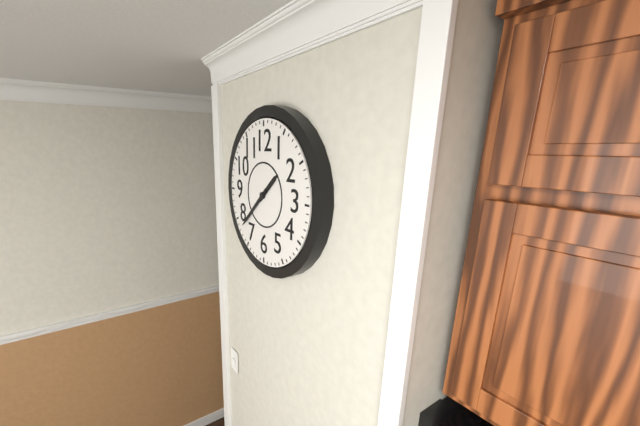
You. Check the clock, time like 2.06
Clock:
1.38
